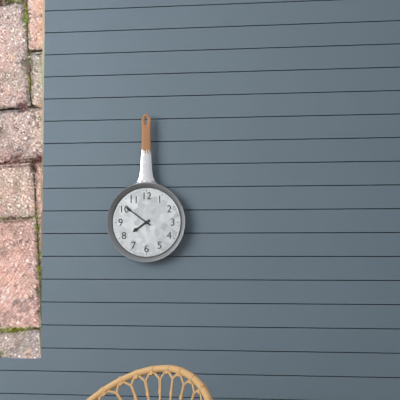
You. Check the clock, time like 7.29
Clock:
7.51
